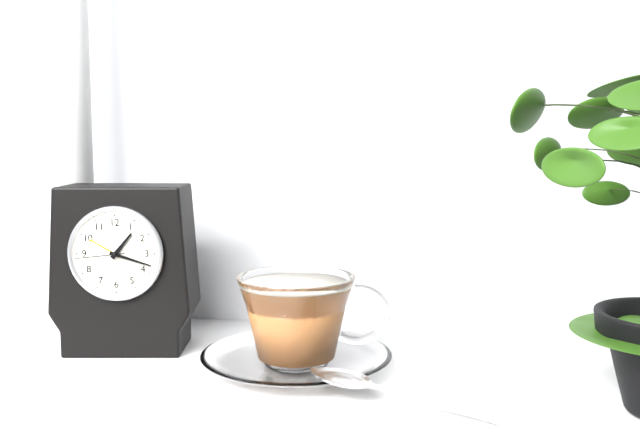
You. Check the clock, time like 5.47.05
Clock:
1.18.44
